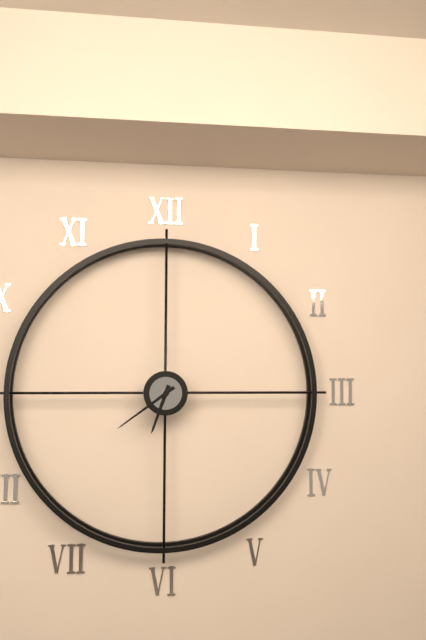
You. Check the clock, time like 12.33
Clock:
6.39
